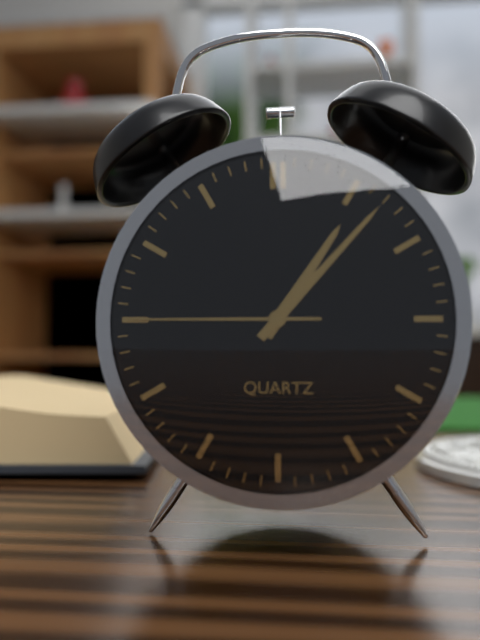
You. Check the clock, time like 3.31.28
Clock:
1.07.45
